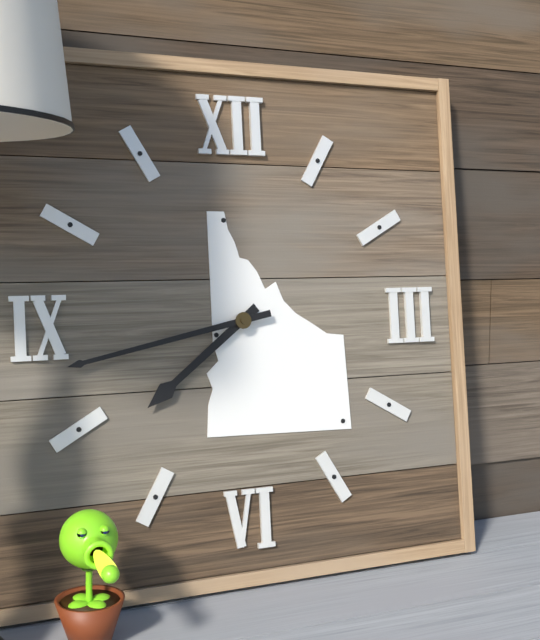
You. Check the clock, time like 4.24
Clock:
7.43
